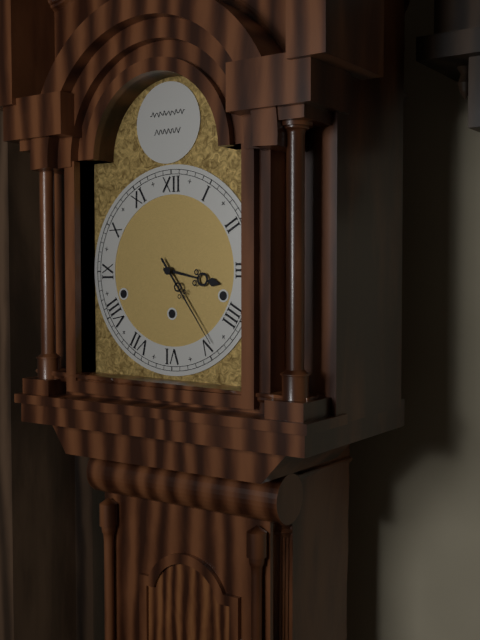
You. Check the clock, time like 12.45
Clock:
3.24
